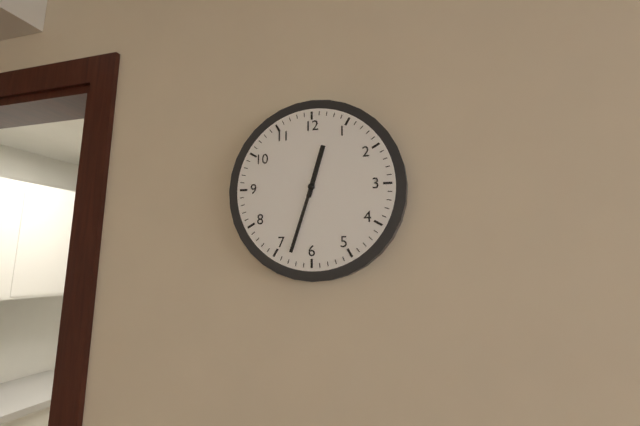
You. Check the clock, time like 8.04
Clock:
12.33
